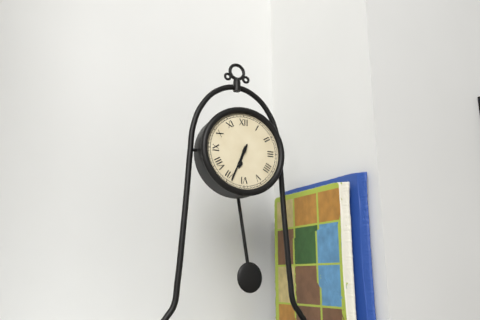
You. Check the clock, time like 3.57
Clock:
6.34
